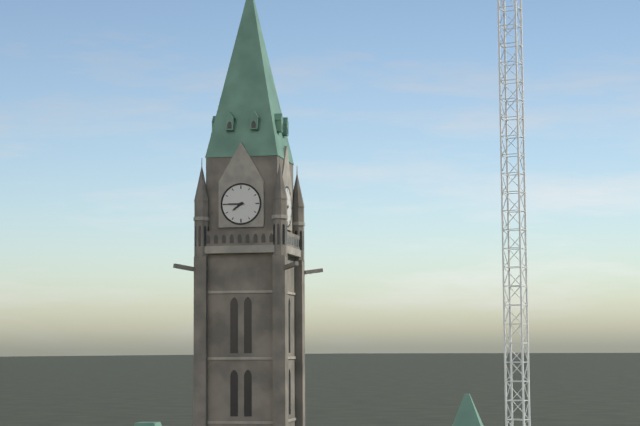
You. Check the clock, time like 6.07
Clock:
7.45
